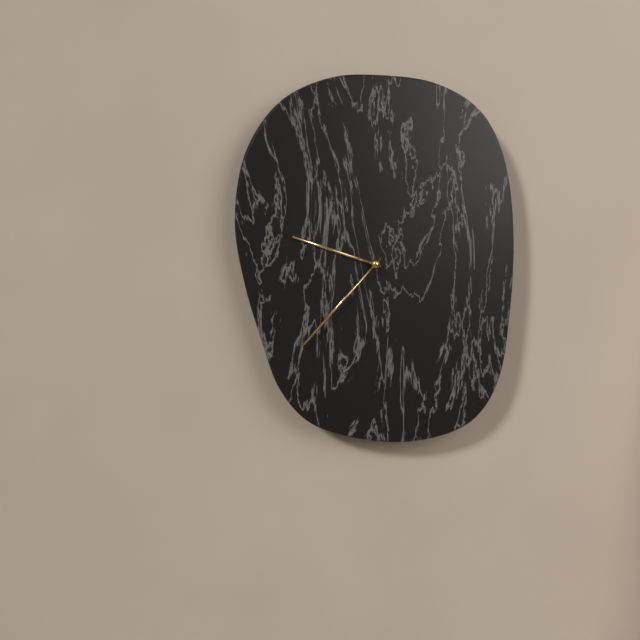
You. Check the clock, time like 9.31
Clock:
9.37
